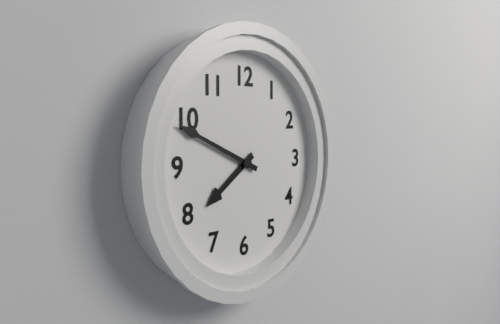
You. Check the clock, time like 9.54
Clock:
7.49
